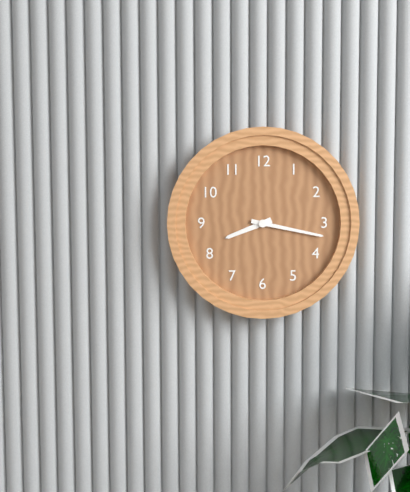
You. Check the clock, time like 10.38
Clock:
8.17
